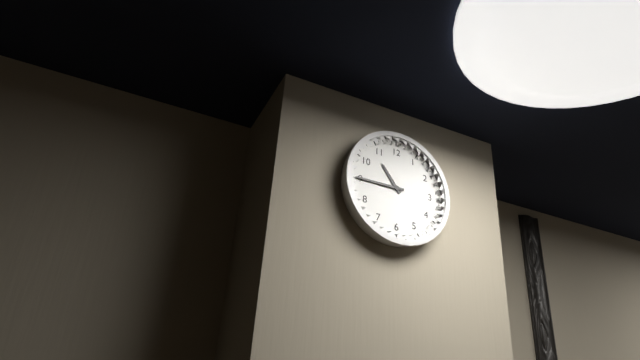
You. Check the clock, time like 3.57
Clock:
10.45
